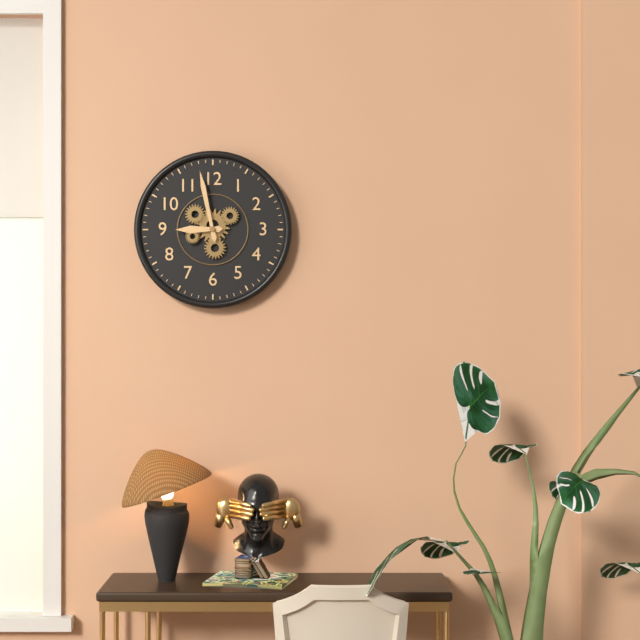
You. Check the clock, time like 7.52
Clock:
8.58
